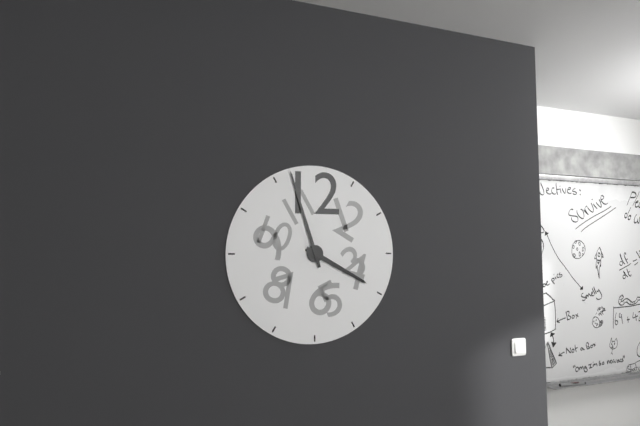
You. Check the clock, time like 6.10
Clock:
3.57
